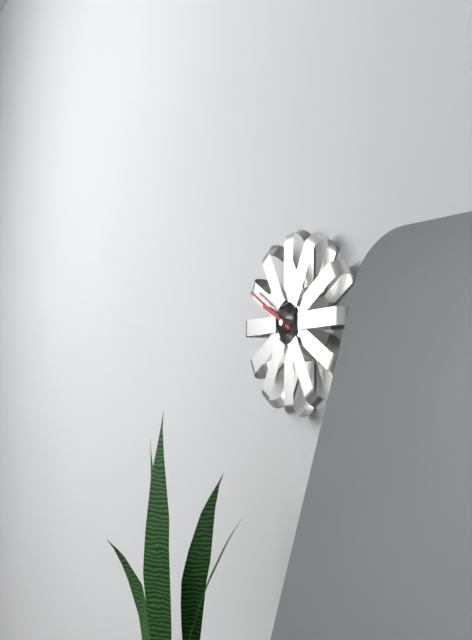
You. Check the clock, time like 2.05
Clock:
9.50
